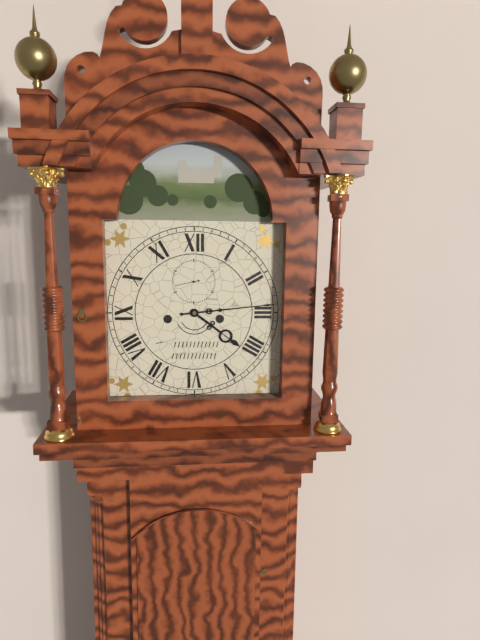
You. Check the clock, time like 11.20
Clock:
4.14
